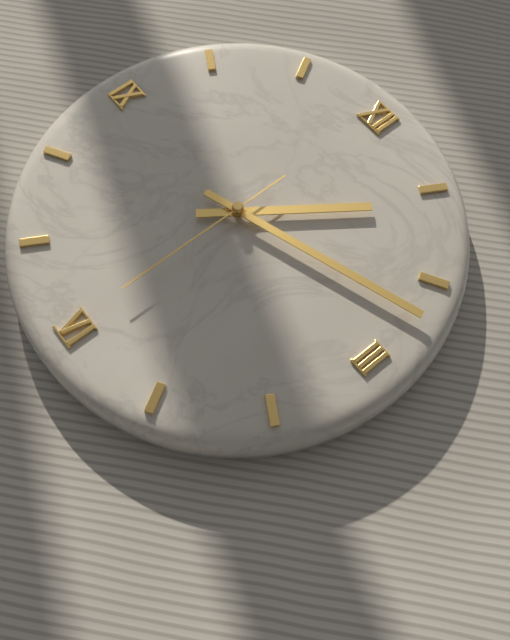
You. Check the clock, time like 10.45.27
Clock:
1.12.30
